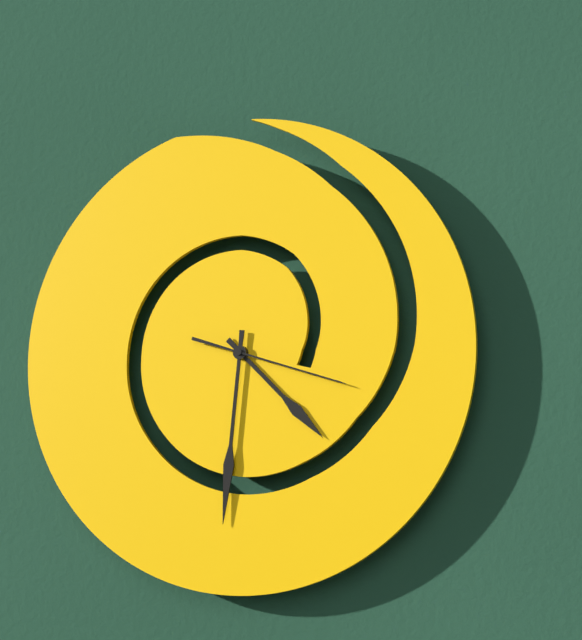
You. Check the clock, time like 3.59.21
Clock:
4.31.18
